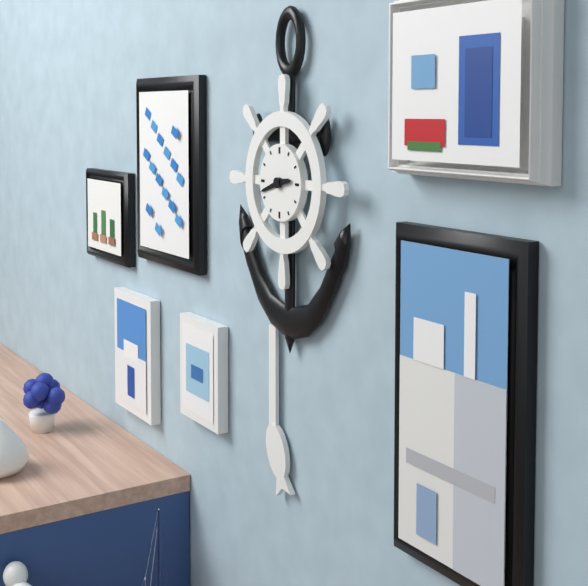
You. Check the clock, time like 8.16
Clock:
2.42
